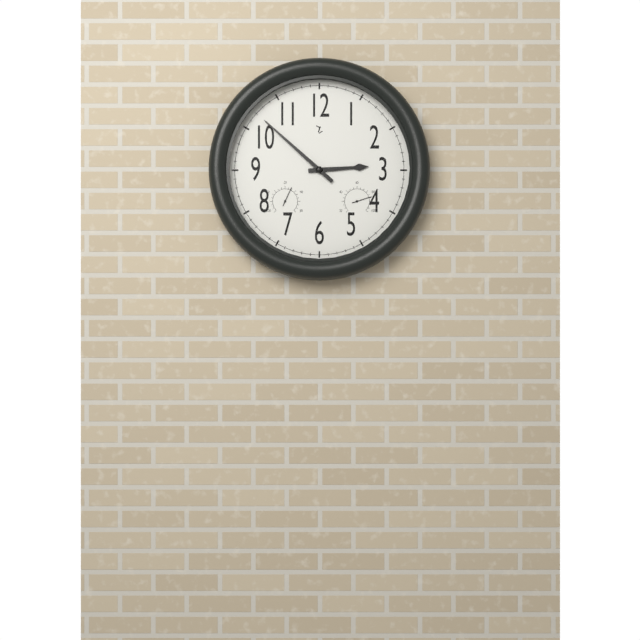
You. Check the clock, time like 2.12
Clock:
2.52
